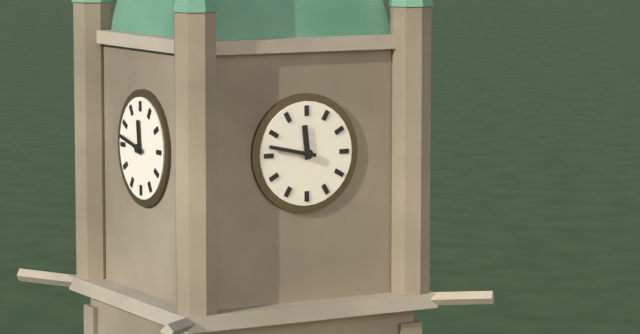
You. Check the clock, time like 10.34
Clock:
11.47
